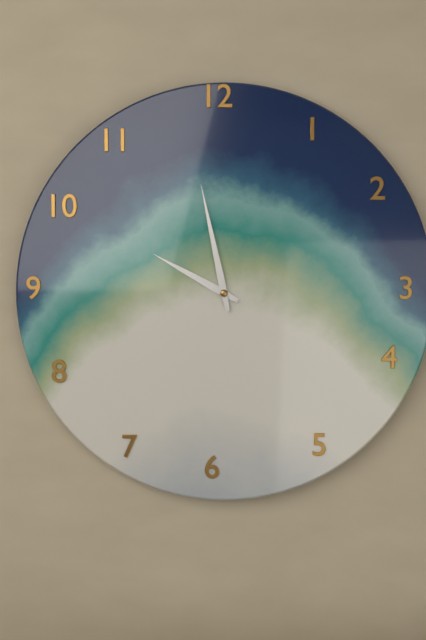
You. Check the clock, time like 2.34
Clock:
9.58
